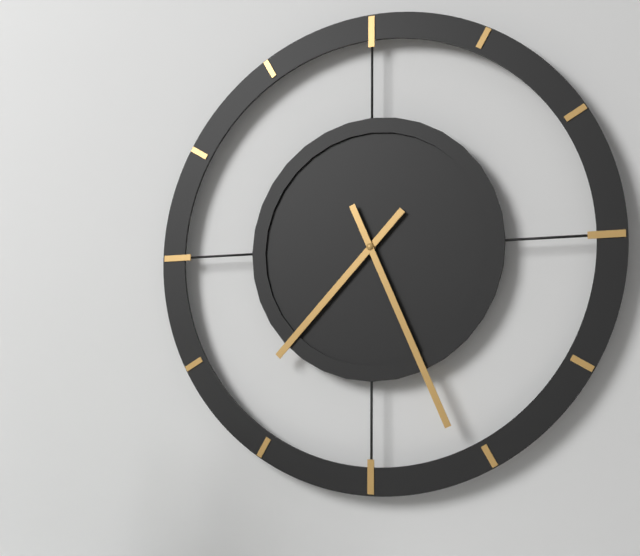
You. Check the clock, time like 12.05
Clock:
7.26
